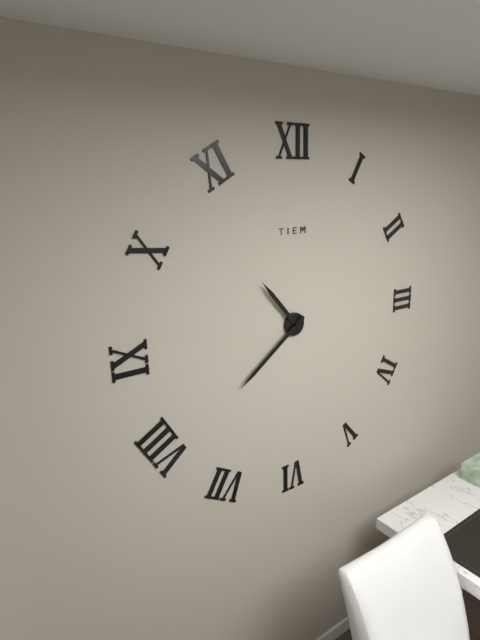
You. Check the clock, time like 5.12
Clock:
10.39
